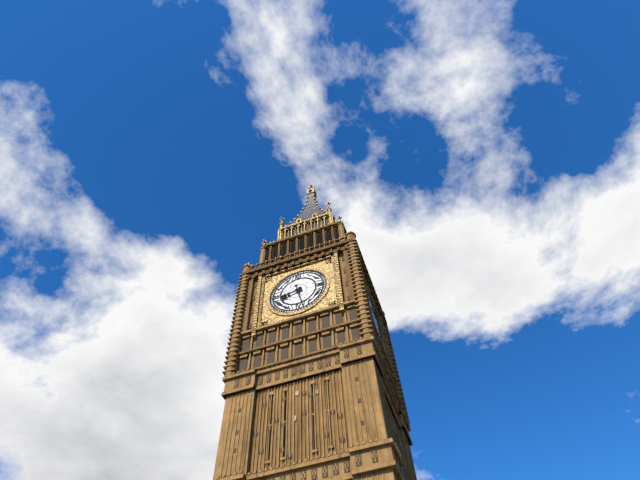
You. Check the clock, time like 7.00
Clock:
8.28
